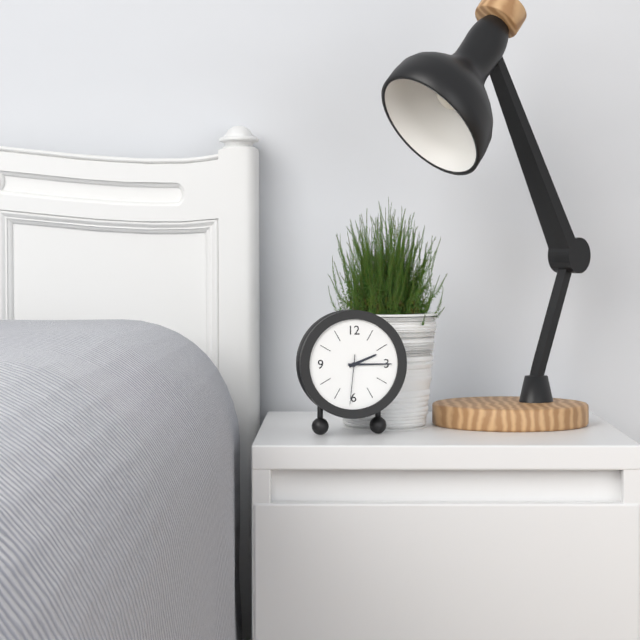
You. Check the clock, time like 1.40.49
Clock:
2.15.31
